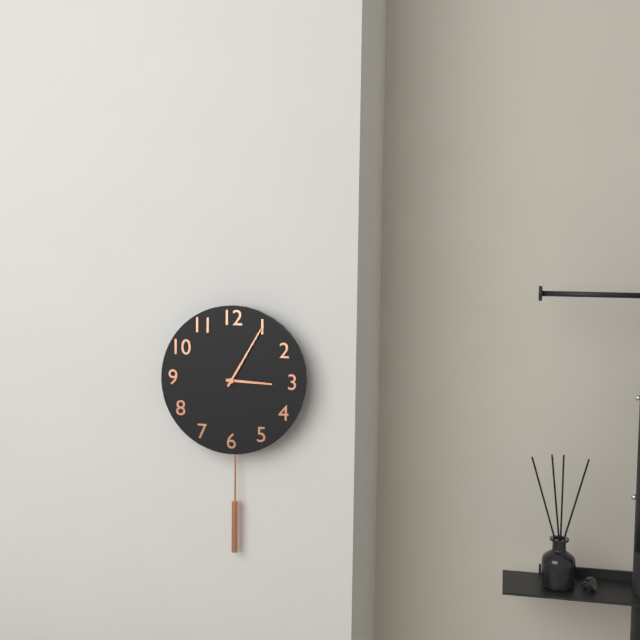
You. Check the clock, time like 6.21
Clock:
3.05
